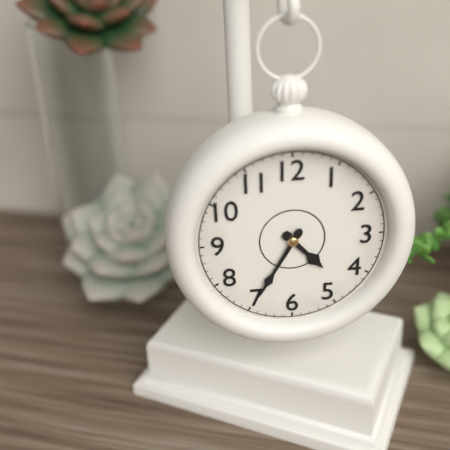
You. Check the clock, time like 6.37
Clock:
4.35
